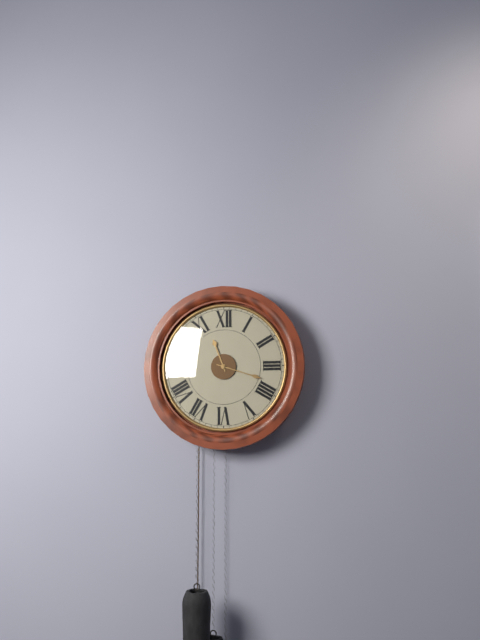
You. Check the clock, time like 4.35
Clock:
11.18
